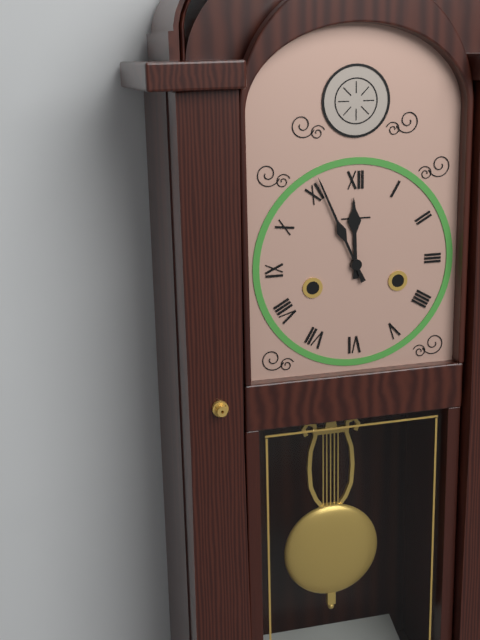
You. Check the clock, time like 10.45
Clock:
11.56
